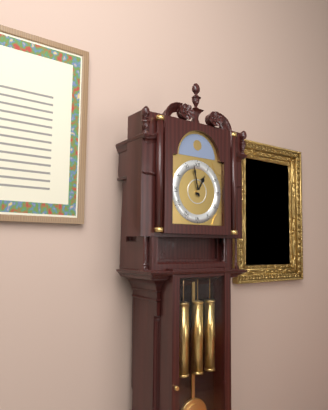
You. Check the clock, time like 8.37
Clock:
12.58
